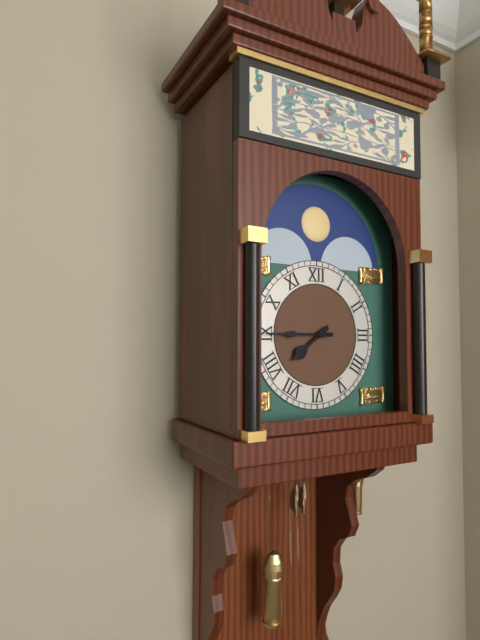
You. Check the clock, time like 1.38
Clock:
7.45
